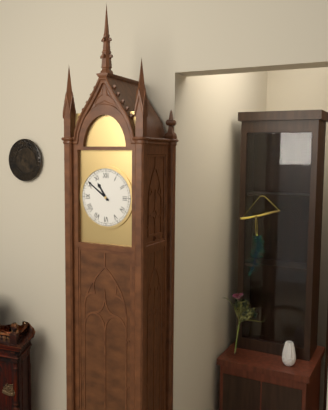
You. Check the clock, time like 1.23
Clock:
10.51
